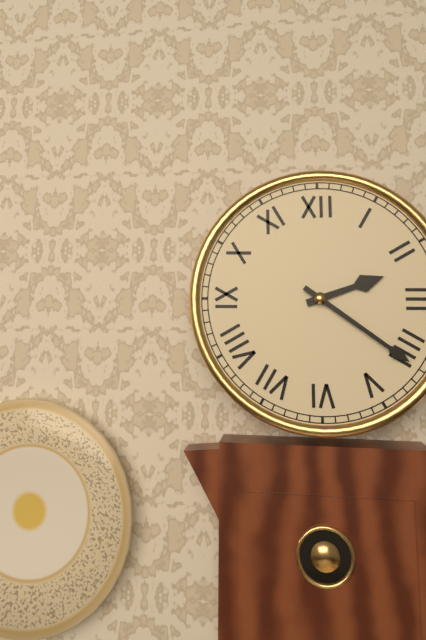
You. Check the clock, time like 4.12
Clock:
2.21
